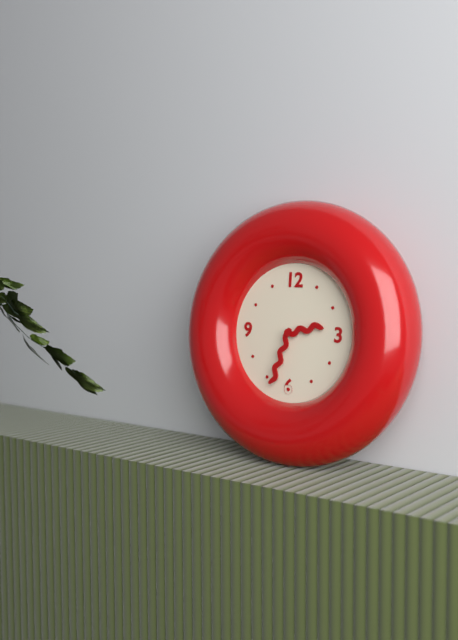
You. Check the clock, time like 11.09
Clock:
2.33
